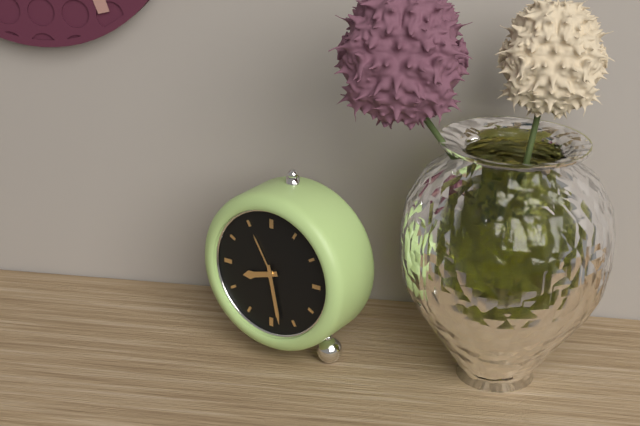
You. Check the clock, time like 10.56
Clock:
8.28
